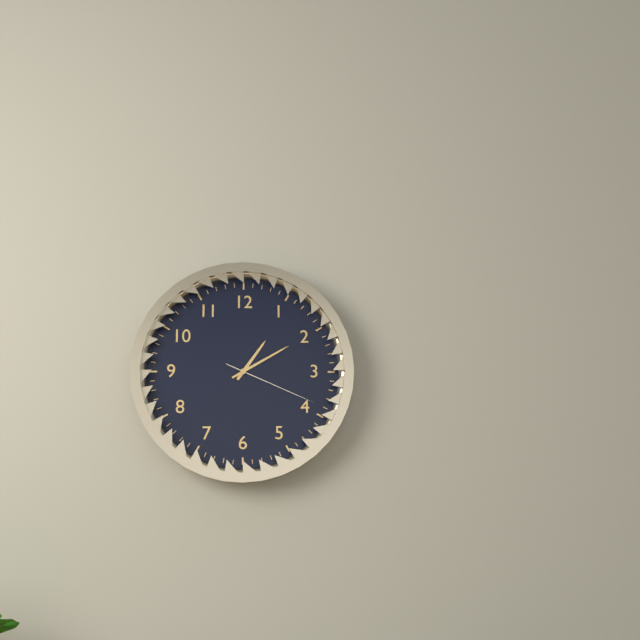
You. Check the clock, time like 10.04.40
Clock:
1.10.19
